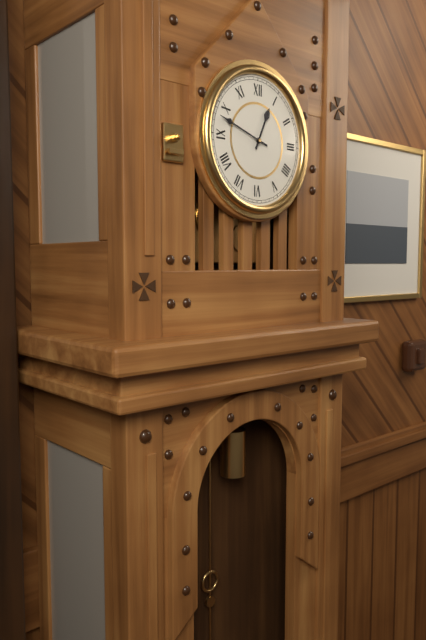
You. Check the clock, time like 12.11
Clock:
12.48
